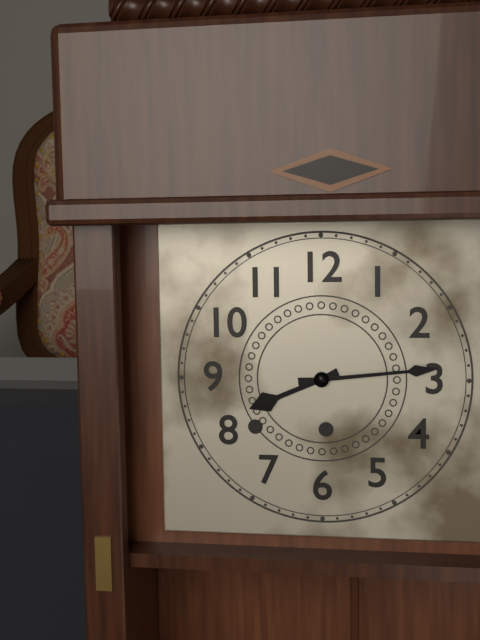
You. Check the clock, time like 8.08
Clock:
8.14
